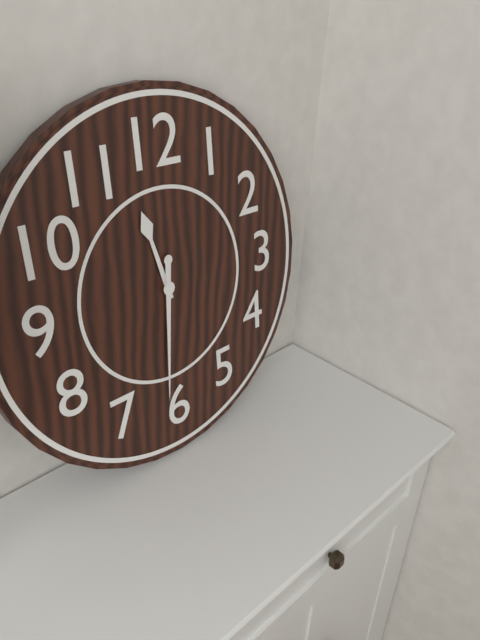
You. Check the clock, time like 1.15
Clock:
11.31
